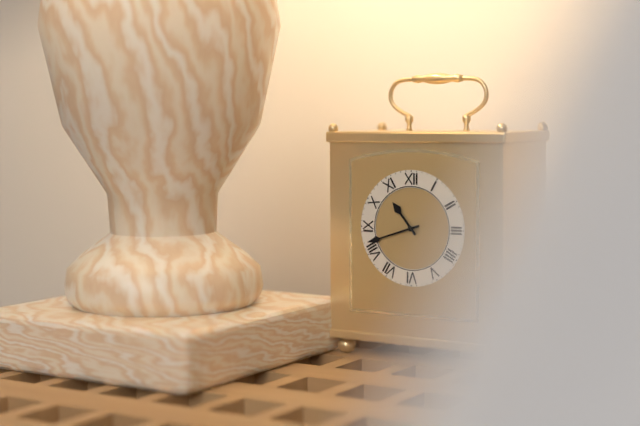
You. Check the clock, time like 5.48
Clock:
10.42
